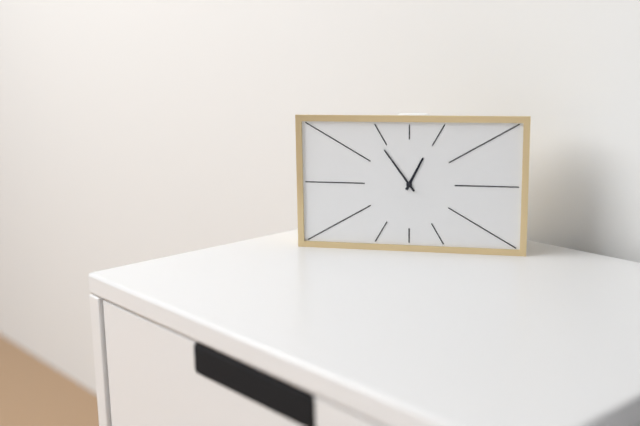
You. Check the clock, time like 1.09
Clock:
12.54
